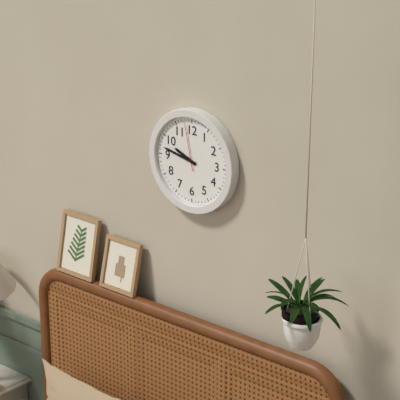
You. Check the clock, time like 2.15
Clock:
9.47
